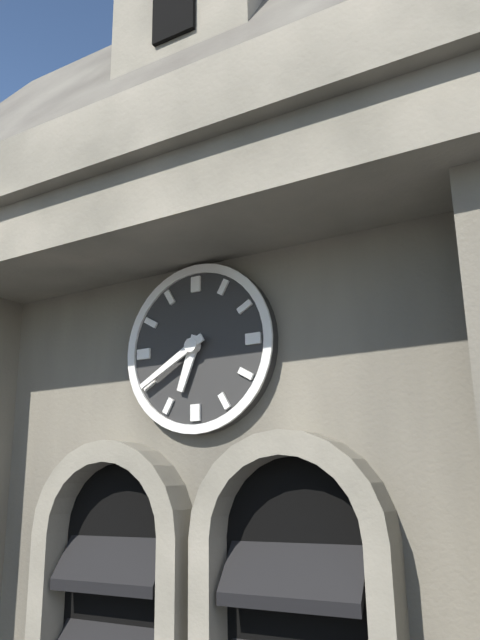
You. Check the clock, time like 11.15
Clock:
6.40
